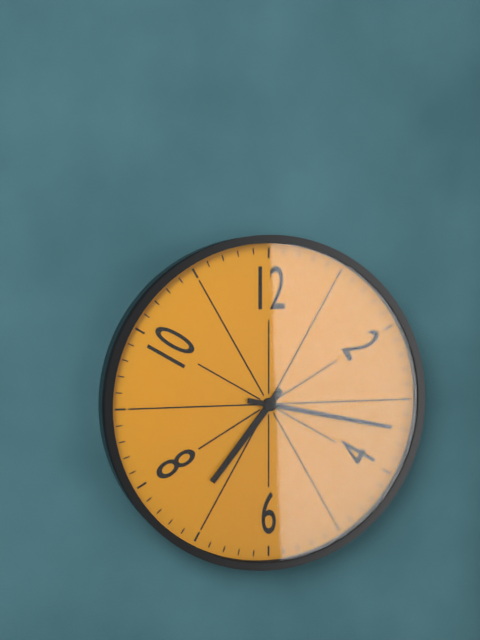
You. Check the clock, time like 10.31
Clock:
7.17
